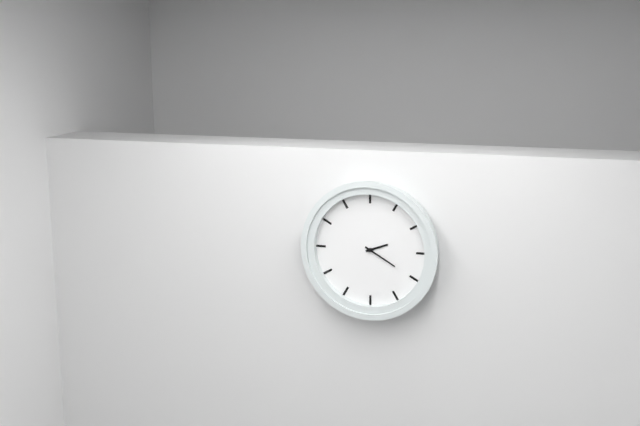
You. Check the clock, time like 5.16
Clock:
2.20
